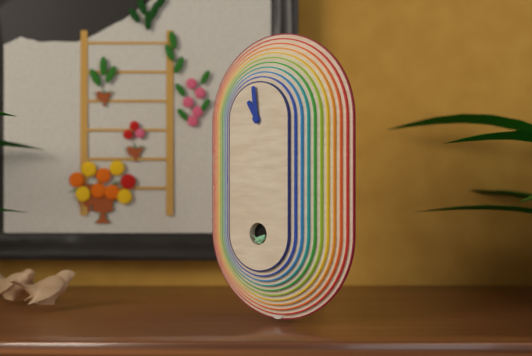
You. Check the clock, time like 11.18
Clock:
10.59
